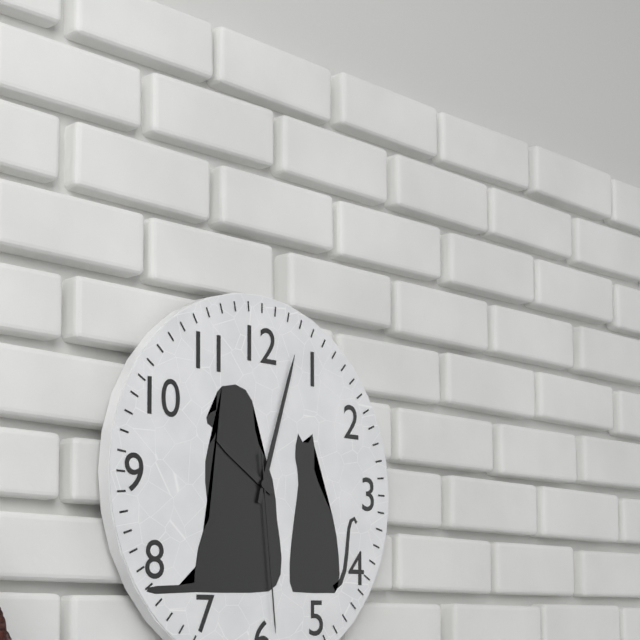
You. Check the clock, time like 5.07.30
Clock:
10.03.29
